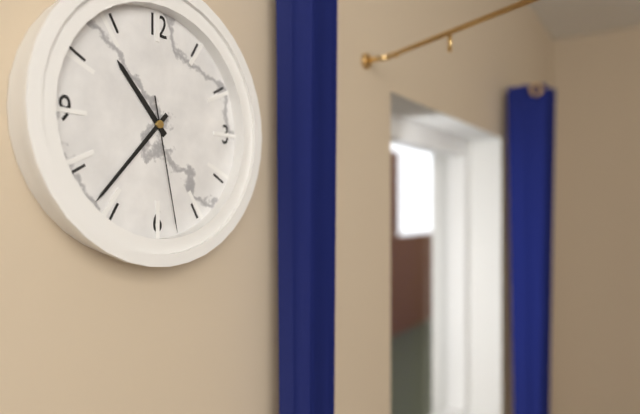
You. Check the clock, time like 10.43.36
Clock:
10.37.28
